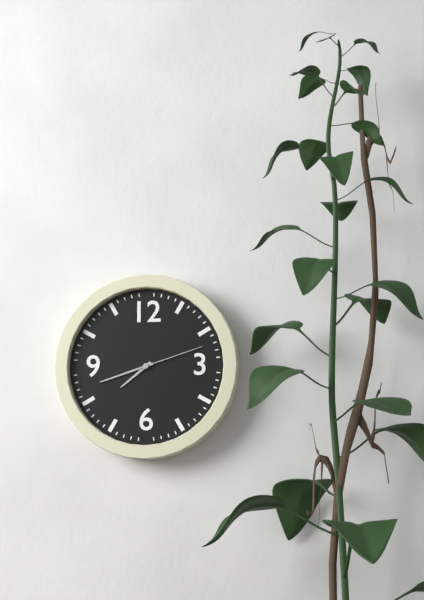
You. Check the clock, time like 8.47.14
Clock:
7.42.12
